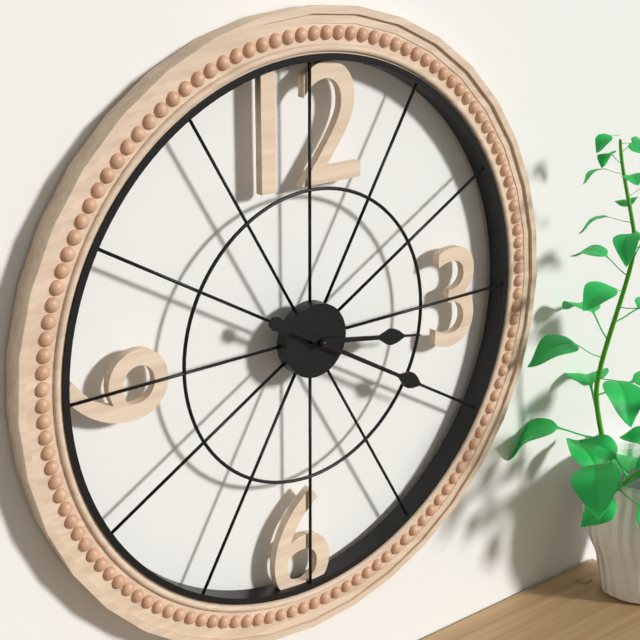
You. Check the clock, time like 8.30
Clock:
3.20
